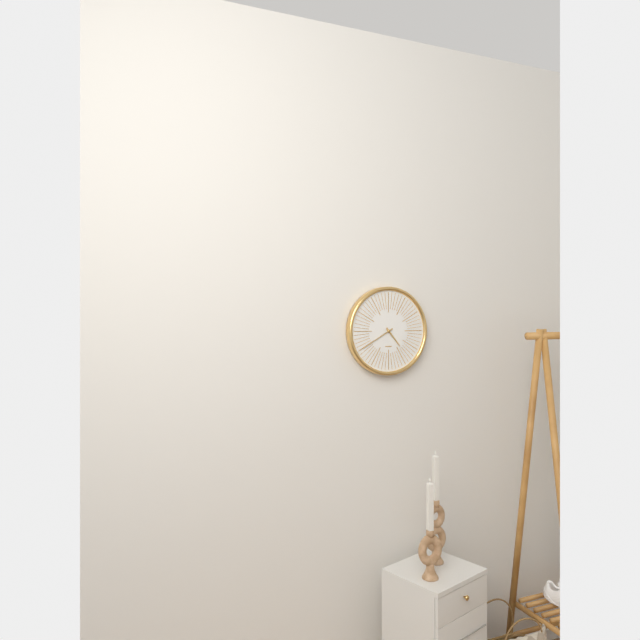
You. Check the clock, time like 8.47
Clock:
4.40
